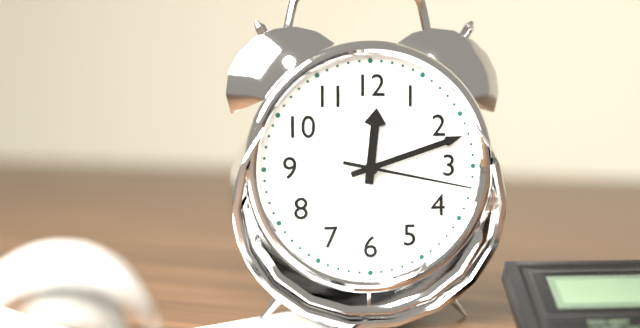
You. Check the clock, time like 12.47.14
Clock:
12.12.17
